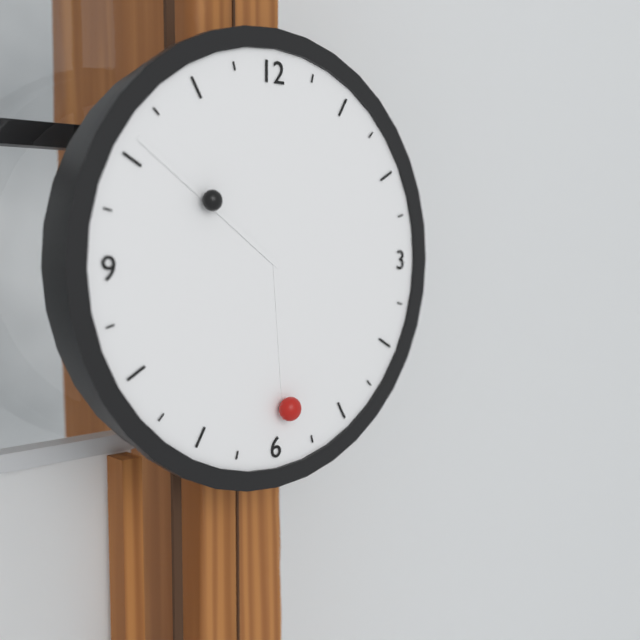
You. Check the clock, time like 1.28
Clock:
5.51
